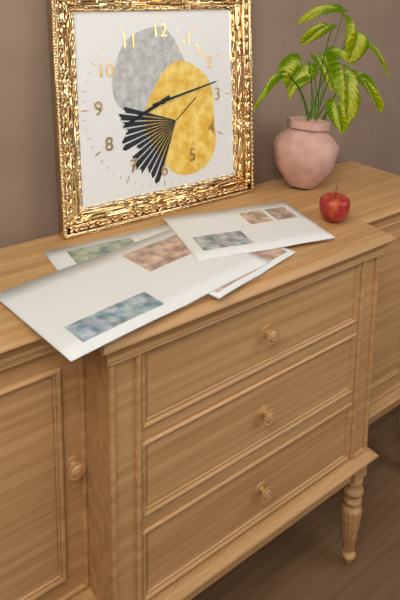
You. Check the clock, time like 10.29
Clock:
8.13
